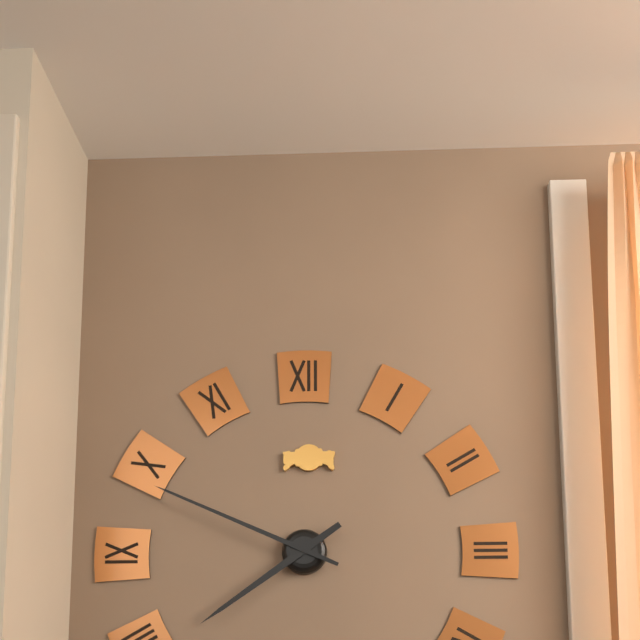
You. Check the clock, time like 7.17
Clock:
7.49
